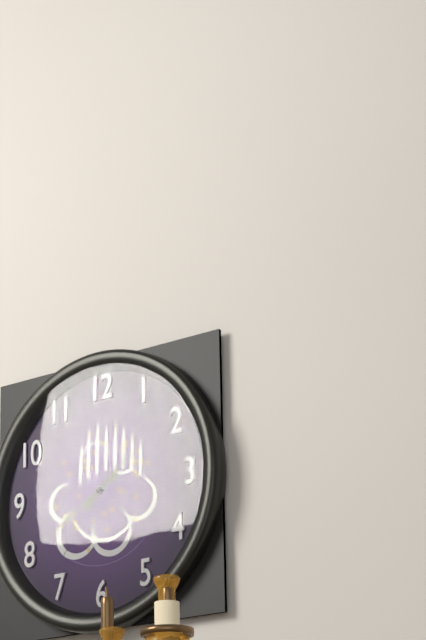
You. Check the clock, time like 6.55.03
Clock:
1.40.36
